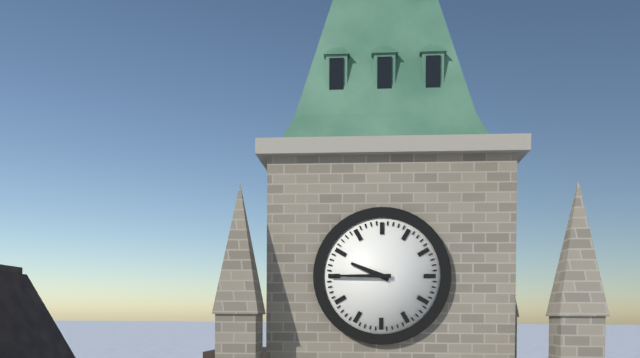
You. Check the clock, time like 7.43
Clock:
9.45
